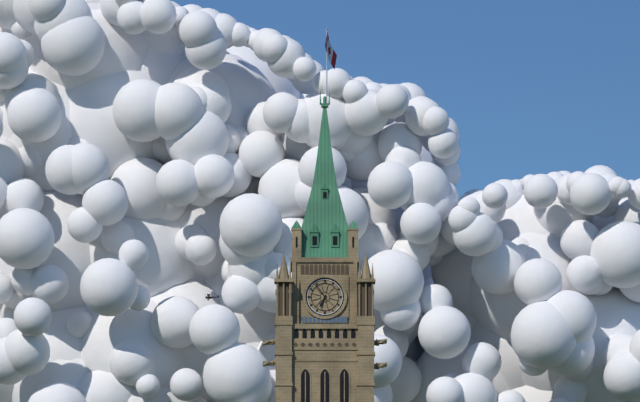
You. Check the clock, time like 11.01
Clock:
6.54
